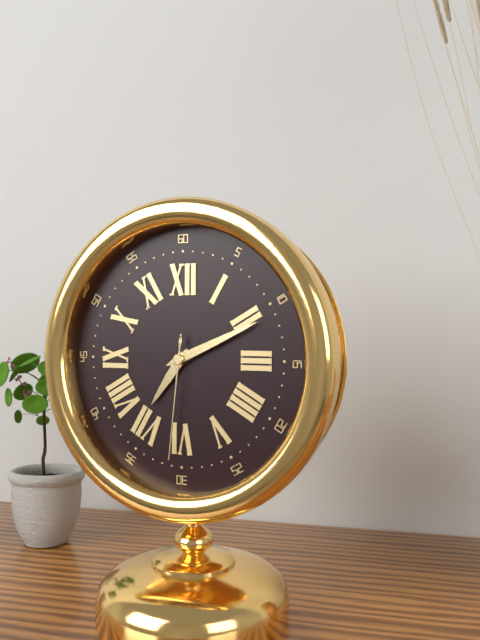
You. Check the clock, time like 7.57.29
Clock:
7.11.31
